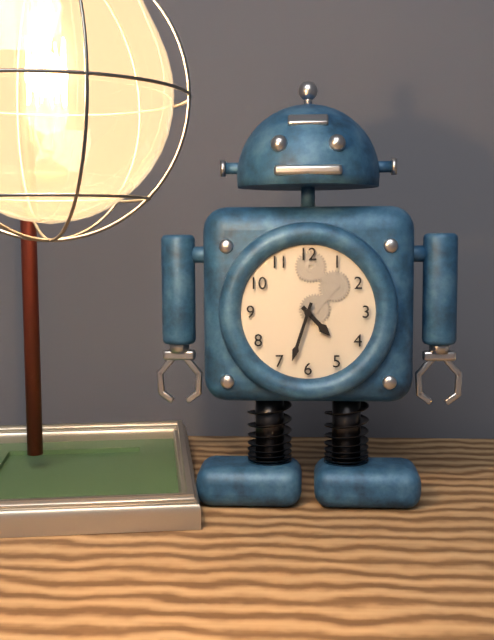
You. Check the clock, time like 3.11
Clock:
4.33
